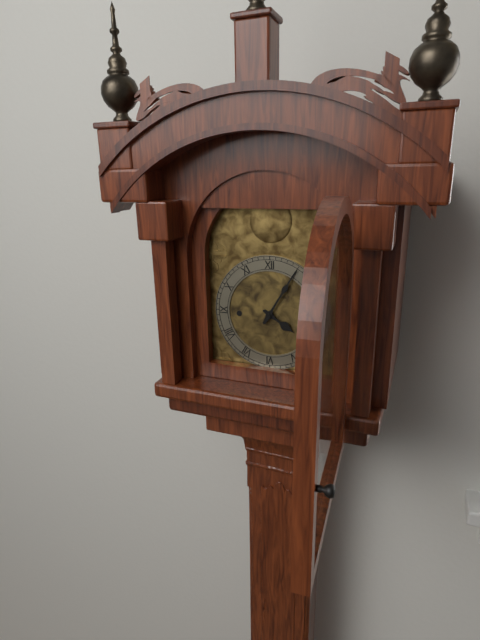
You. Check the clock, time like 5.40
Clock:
4.05
